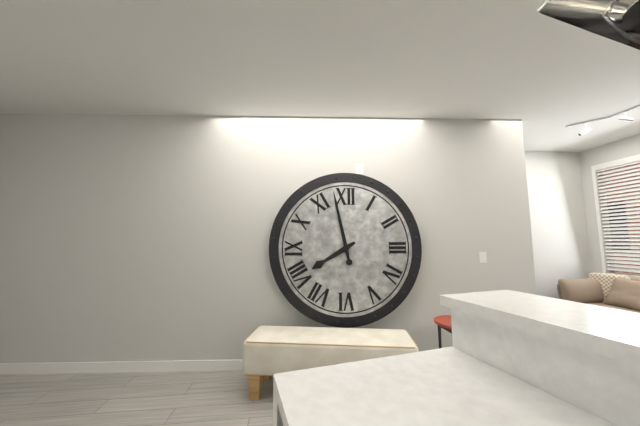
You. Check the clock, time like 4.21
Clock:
7.58
